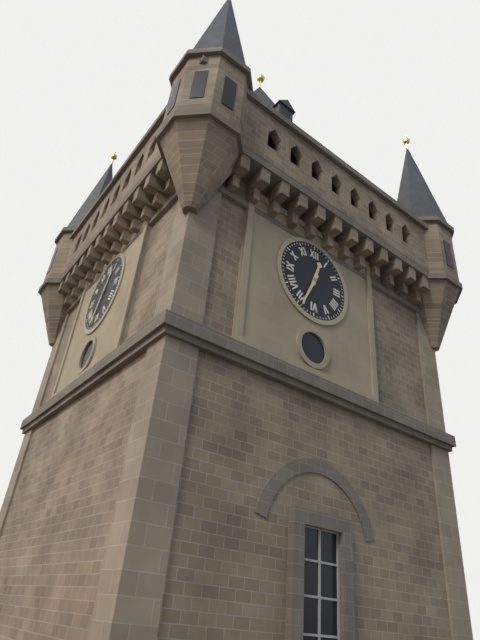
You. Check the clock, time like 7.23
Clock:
12.34
